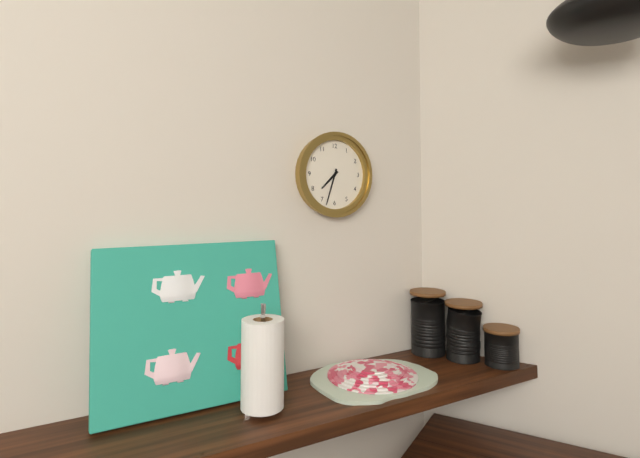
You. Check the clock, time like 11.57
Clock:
7.33
